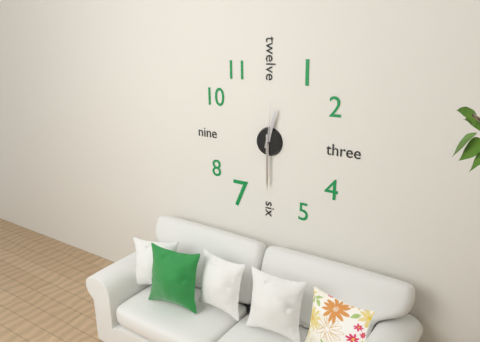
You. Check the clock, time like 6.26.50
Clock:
12.30.01
